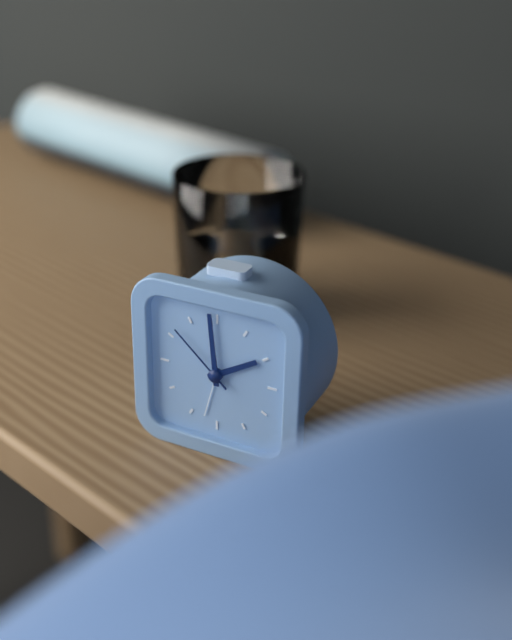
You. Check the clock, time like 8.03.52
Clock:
1.59.52
